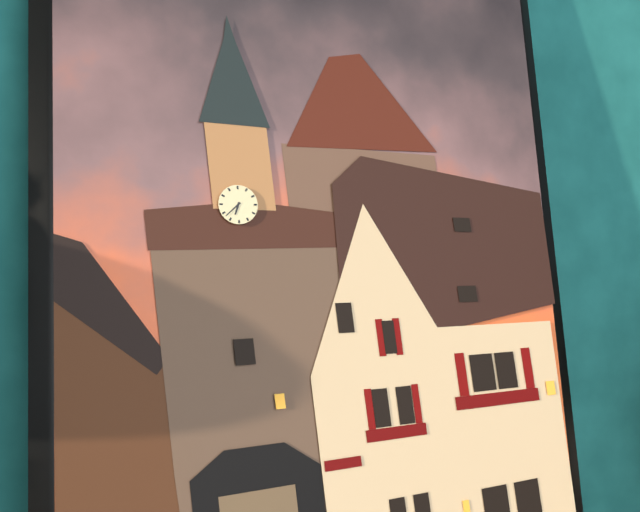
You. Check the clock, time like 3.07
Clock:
6.38
